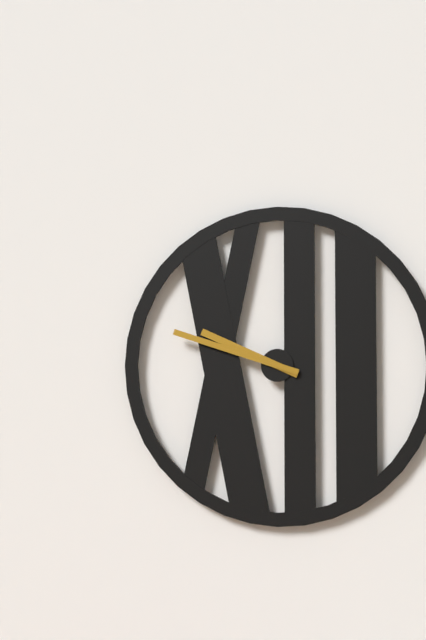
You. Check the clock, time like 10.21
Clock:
9.48
